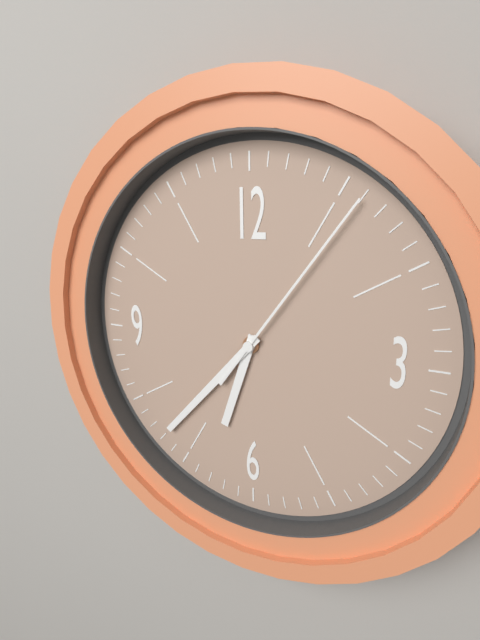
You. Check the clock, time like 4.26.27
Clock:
6.37.06
